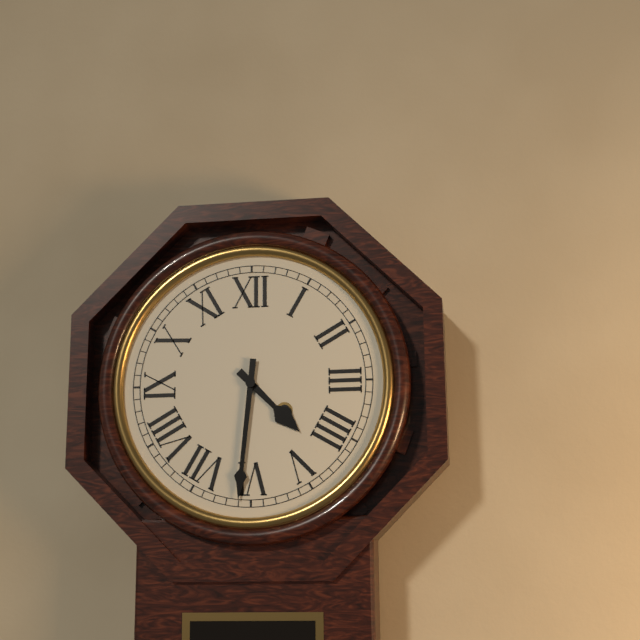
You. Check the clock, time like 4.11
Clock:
4.31
